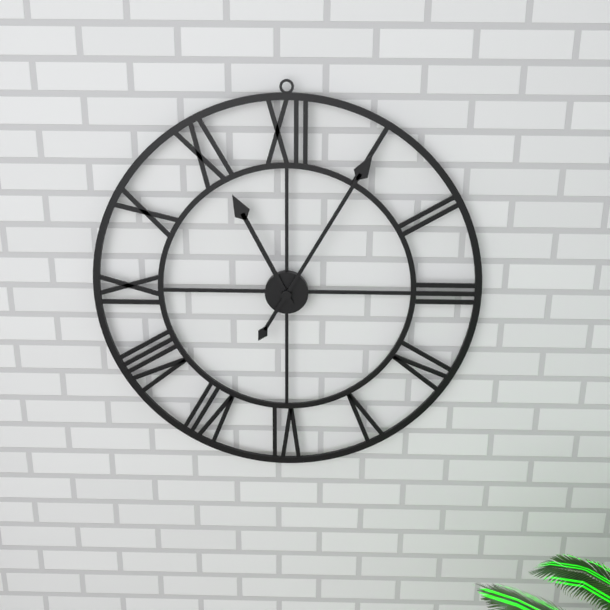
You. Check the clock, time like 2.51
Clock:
11.05
